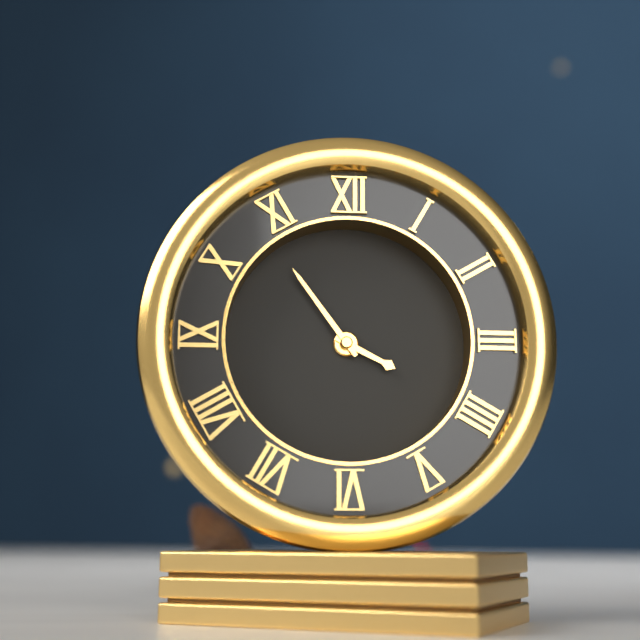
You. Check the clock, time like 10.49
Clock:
3.54
